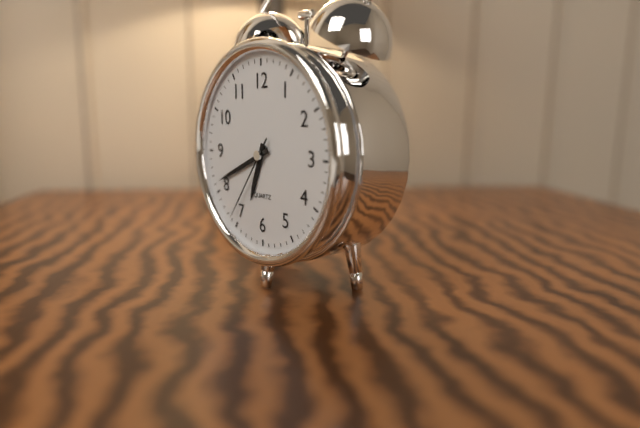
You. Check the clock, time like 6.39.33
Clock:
6.41.36
